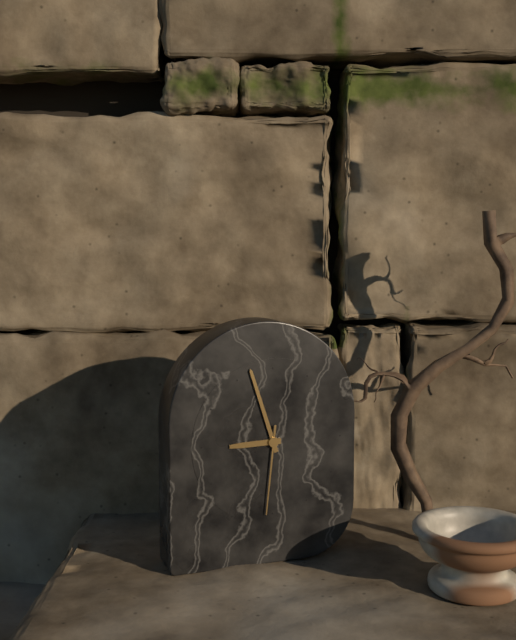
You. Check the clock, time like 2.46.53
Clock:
8.57.31
